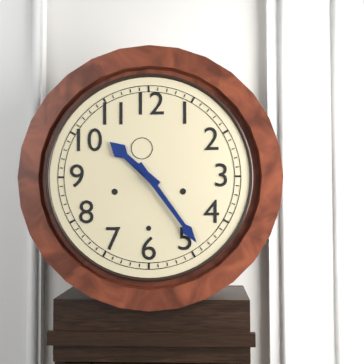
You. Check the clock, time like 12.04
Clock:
10.24
